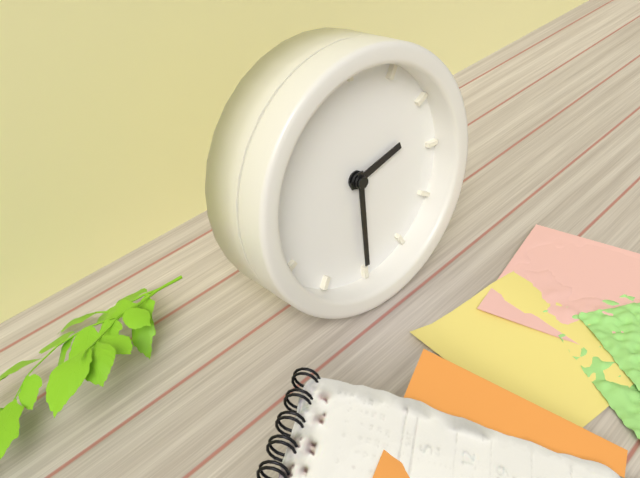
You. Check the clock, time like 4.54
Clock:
2.30
